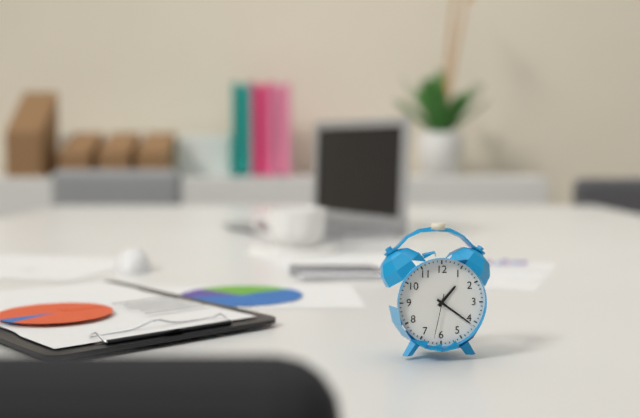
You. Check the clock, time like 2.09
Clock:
1.21
